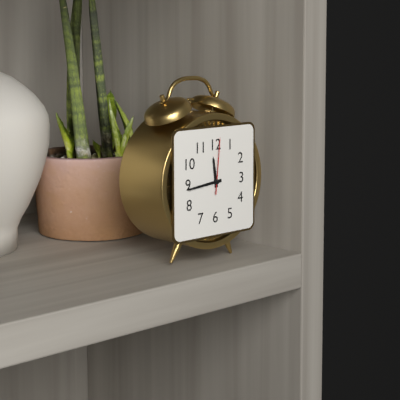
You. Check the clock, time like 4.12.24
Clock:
11.44.01
